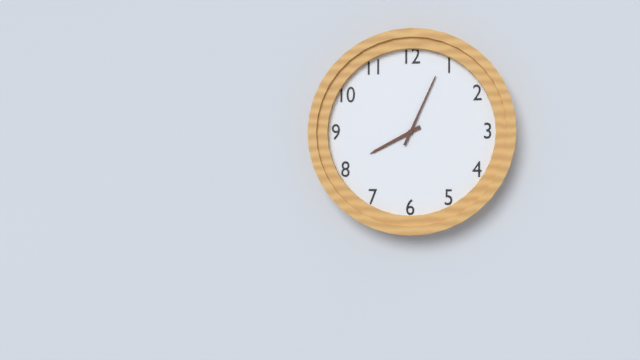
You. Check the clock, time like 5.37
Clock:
8.04
